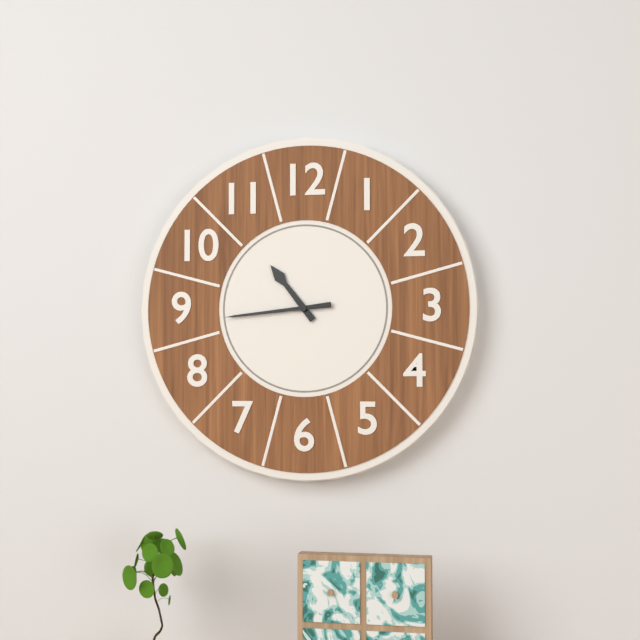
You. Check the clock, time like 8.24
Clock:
10.44
